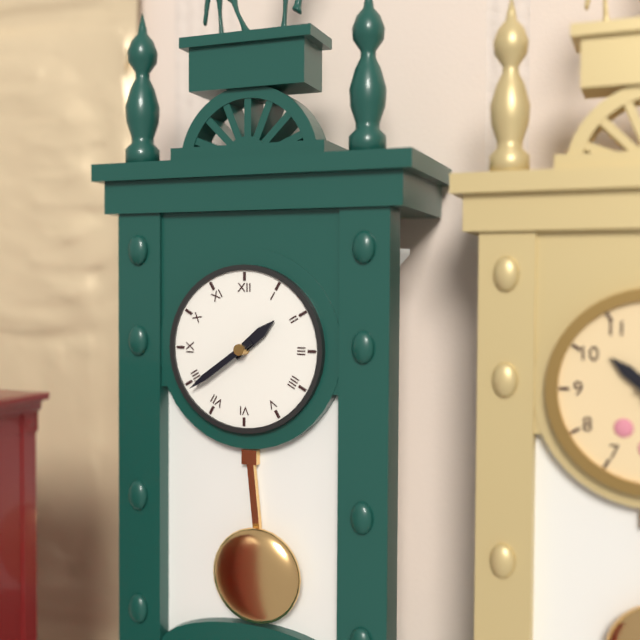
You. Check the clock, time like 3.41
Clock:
1.39
